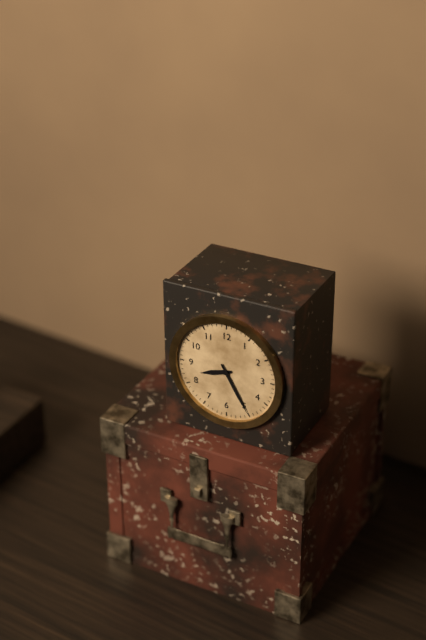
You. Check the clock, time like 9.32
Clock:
8.25
